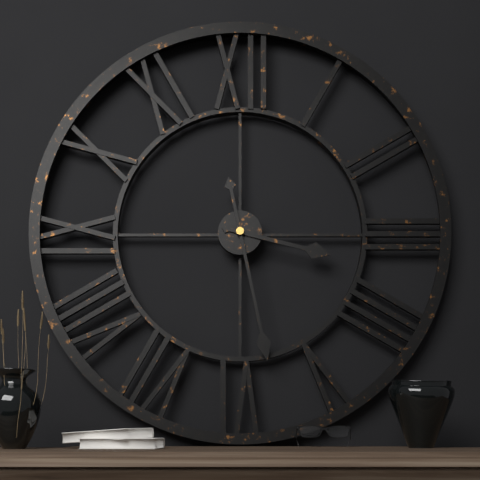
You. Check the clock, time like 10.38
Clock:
3.28
